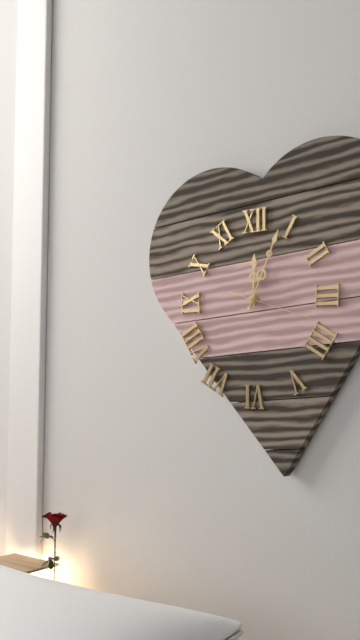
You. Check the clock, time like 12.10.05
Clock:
12.04.18
